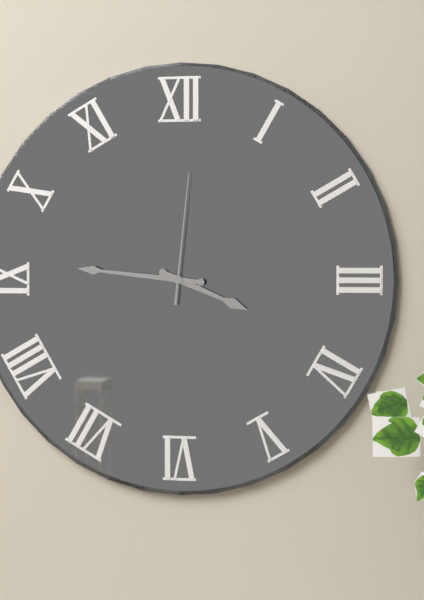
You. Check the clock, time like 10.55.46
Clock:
3.46.01
